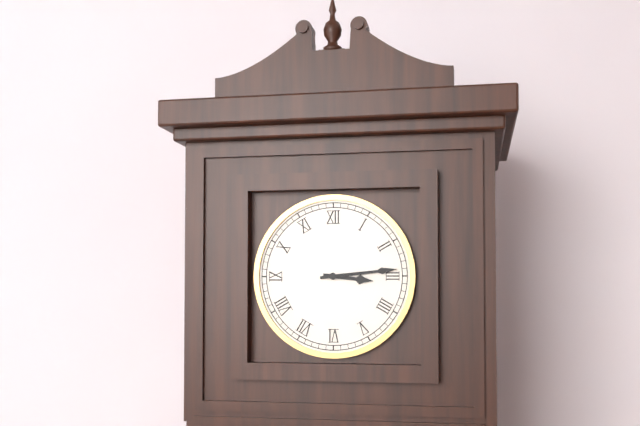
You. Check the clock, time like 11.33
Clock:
3.14
